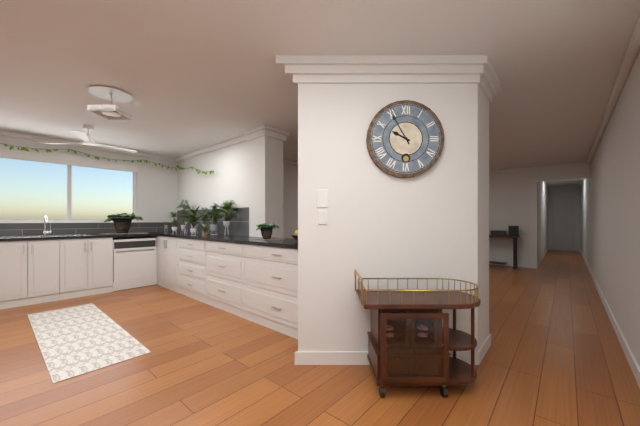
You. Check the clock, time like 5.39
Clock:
9.55
